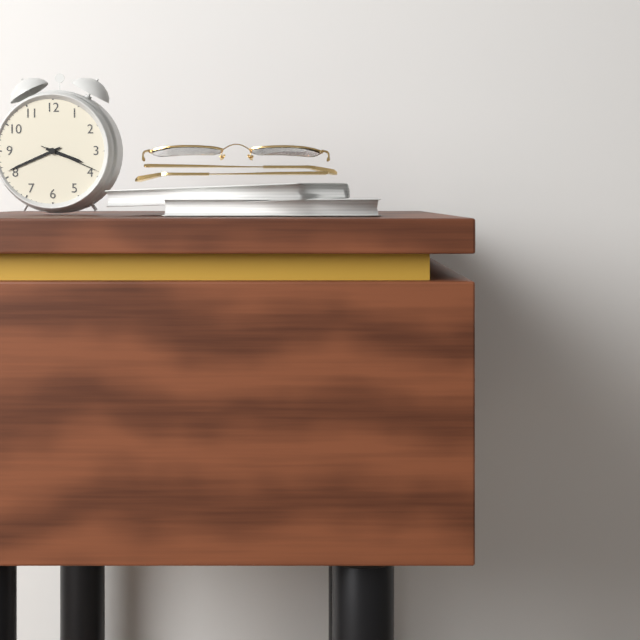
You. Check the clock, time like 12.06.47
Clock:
3.41.19
